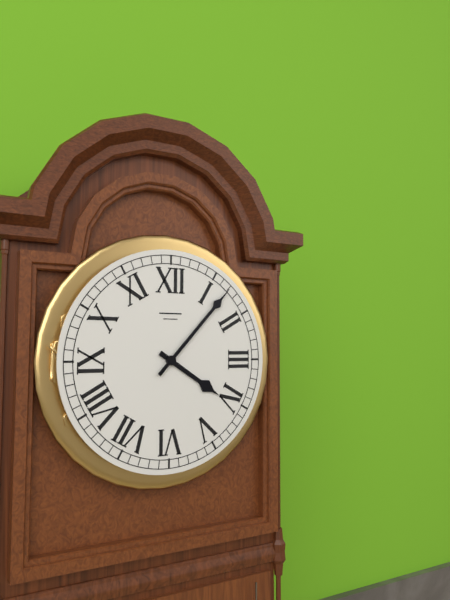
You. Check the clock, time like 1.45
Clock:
4.07
